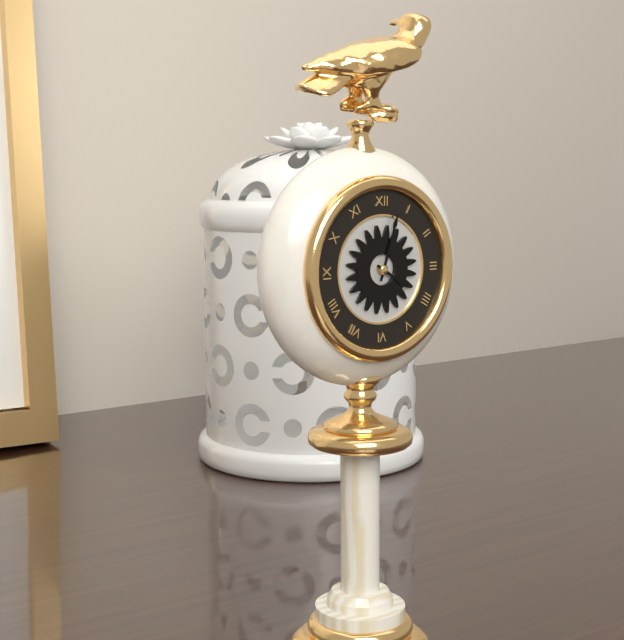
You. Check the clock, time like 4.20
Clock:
4.03
